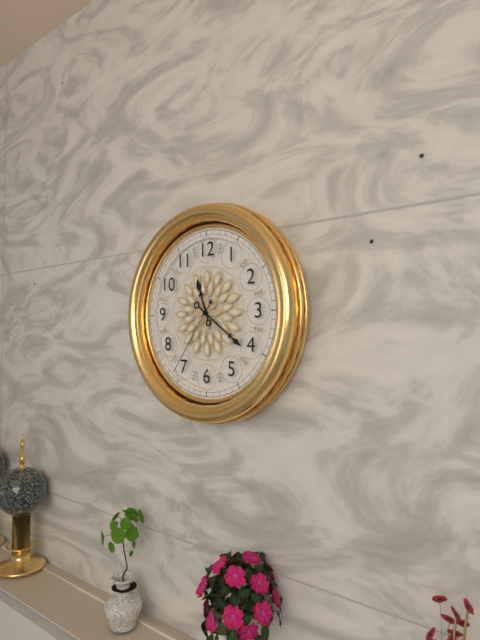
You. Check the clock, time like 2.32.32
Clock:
11.21.36
